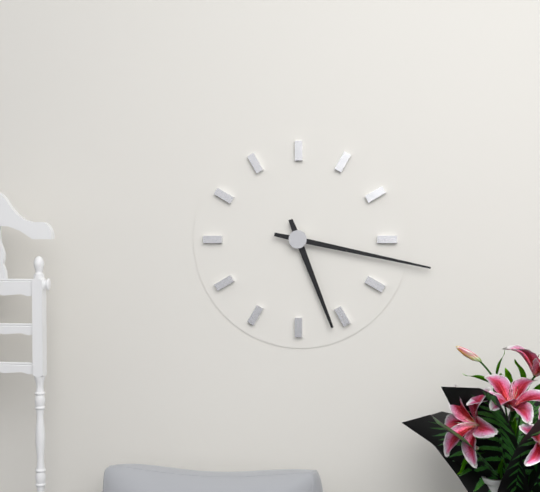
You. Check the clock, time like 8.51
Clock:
5.17
